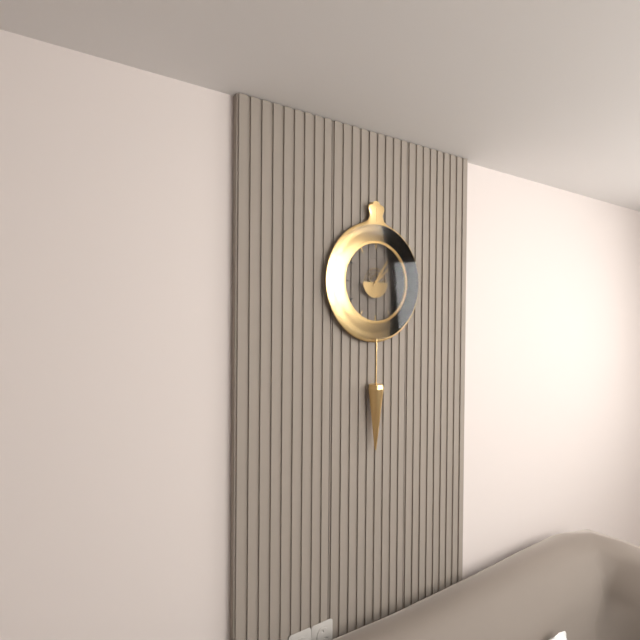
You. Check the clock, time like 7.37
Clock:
1.08
